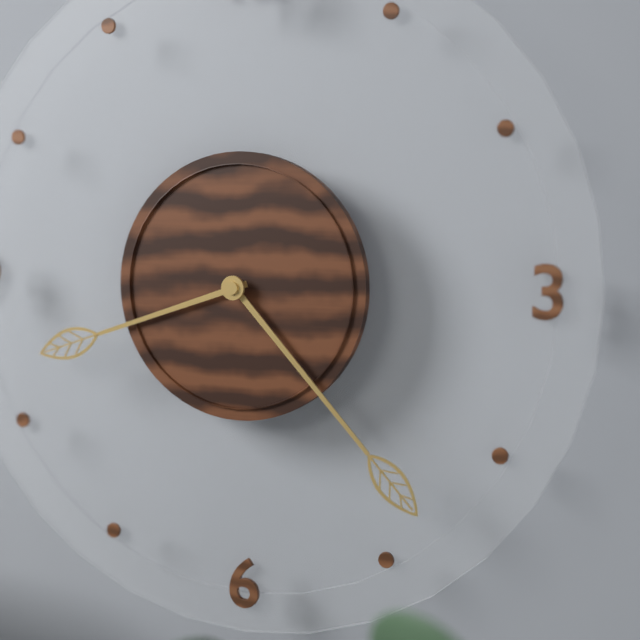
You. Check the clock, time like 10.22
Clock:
8.23
